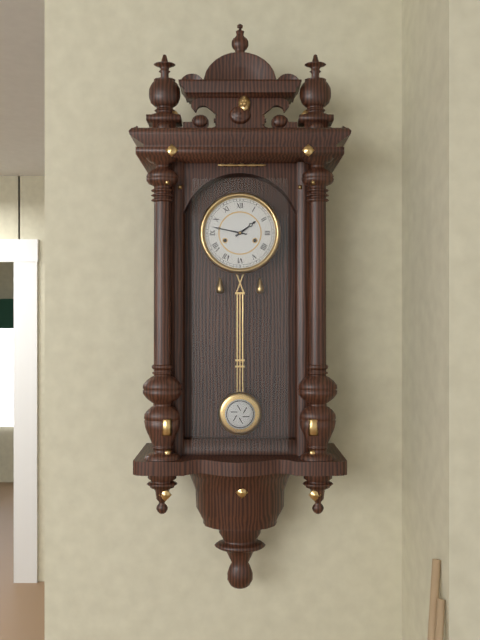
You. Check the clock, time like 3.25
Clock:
1.47
